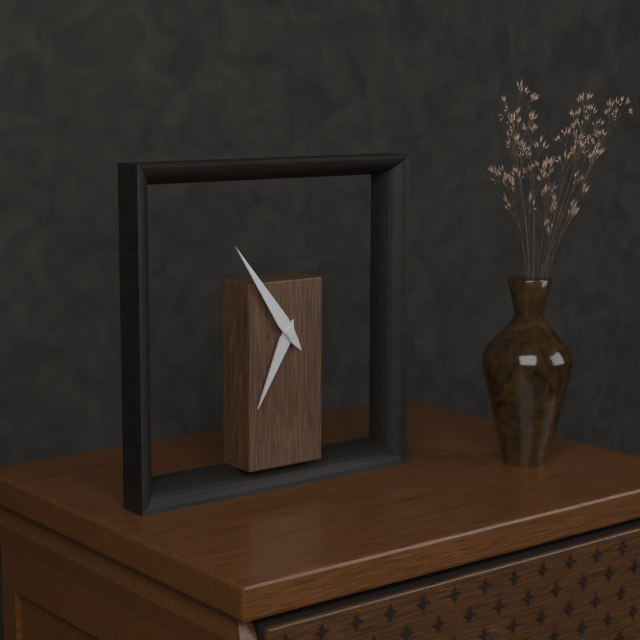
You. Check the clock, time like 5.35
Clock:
6.54
